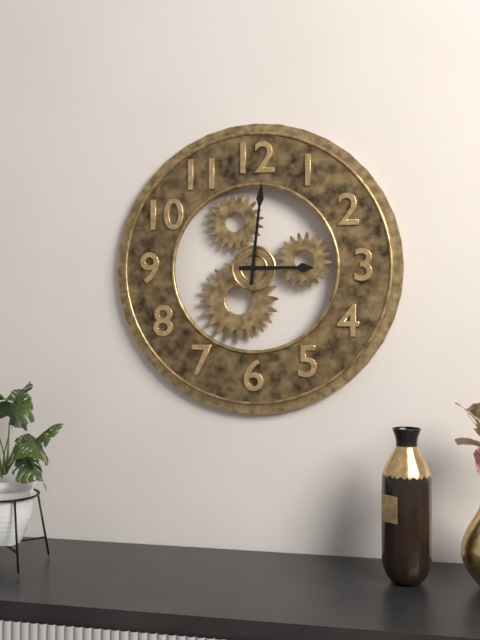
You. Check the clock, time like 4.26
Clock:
3.01
